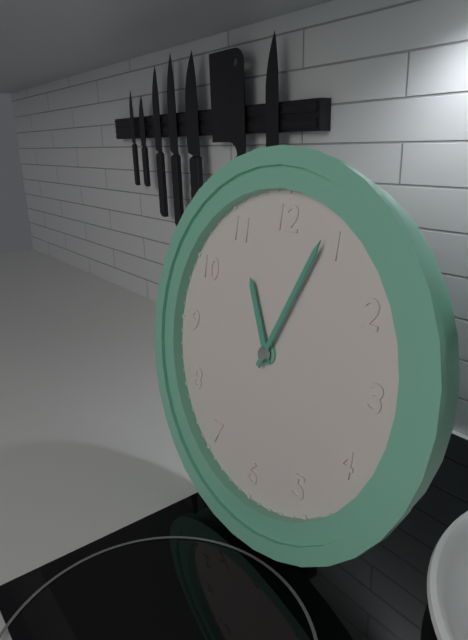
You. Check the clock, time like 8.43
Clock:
11.04
